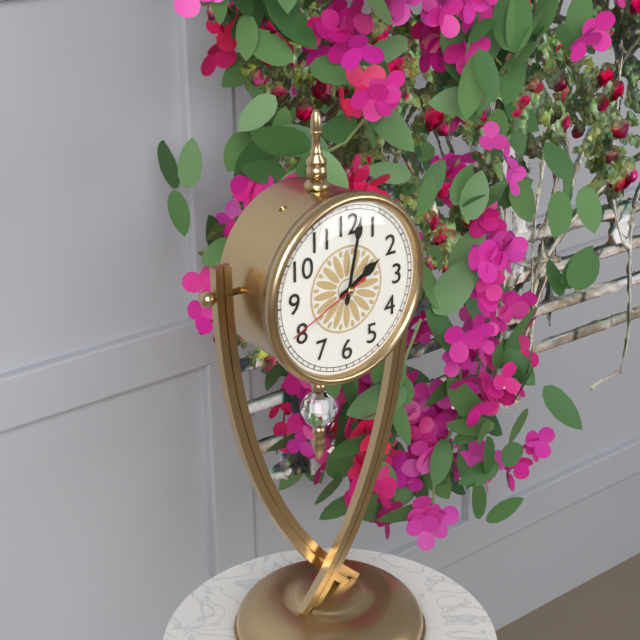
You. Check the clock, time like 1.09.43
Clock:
2.02.41
